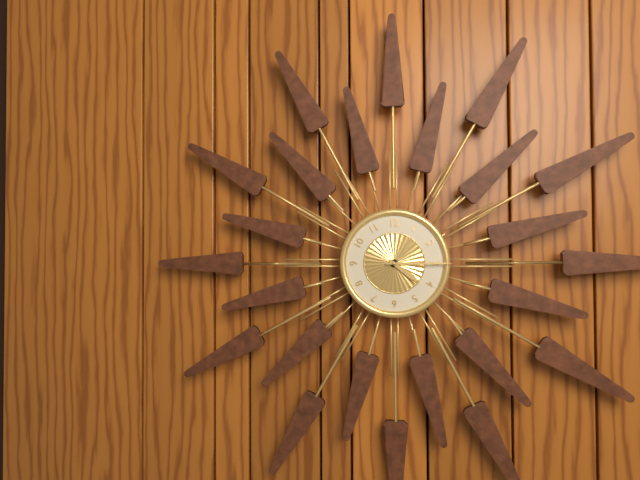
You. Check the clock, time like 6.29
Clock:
4.15
